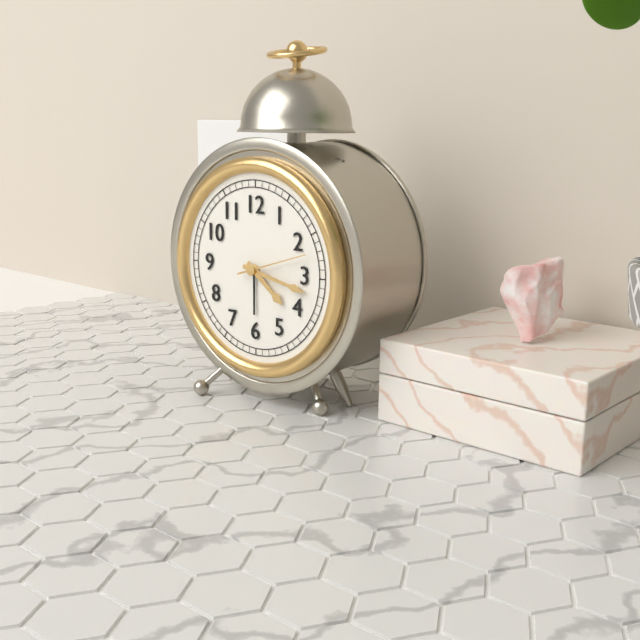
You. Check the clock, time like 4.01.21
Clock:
4.17.12
